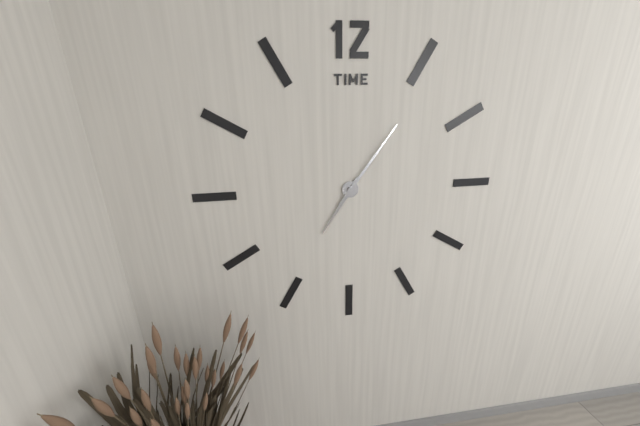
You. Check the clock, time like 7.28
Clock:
7.06
